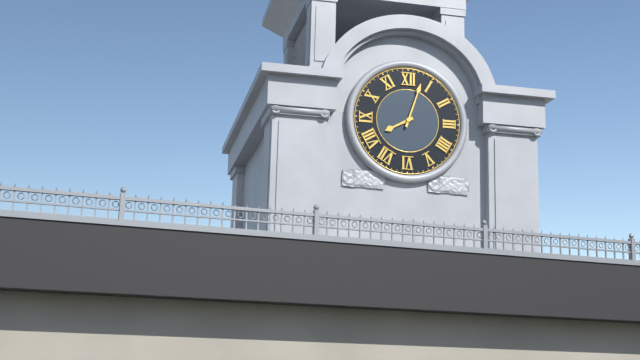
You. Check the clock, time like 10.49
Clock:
8.03
